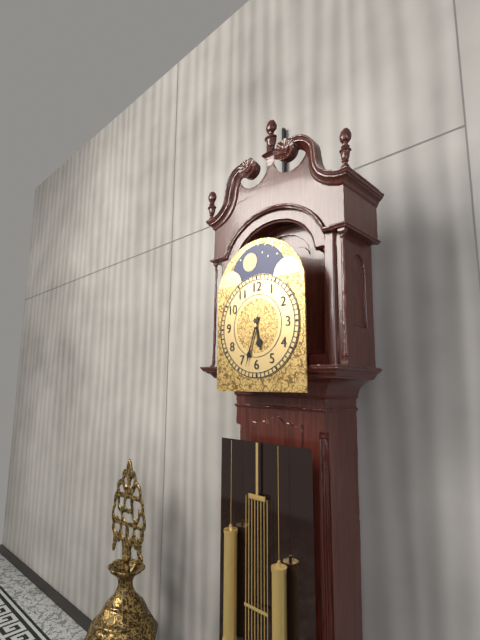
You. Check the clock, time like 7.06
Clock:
5.33
